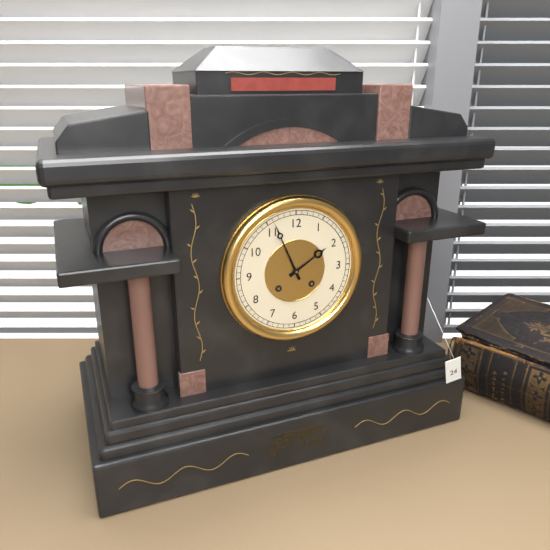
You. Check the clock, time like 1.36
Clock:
1.56
